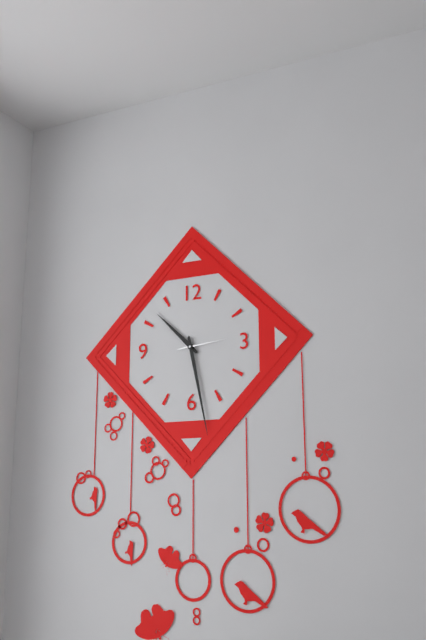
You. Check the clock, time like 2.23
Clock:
10.28
